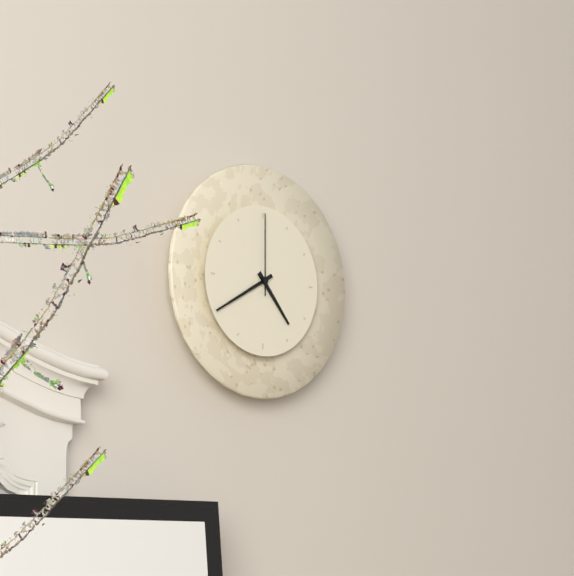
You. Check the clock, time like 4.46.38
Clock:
4.40.00
